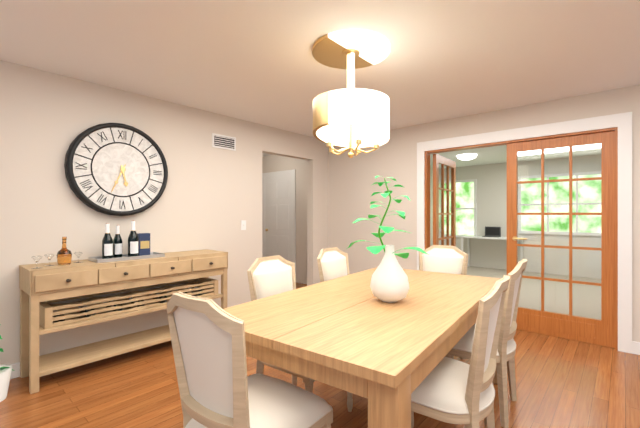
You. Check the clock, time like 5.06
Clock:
5.34
